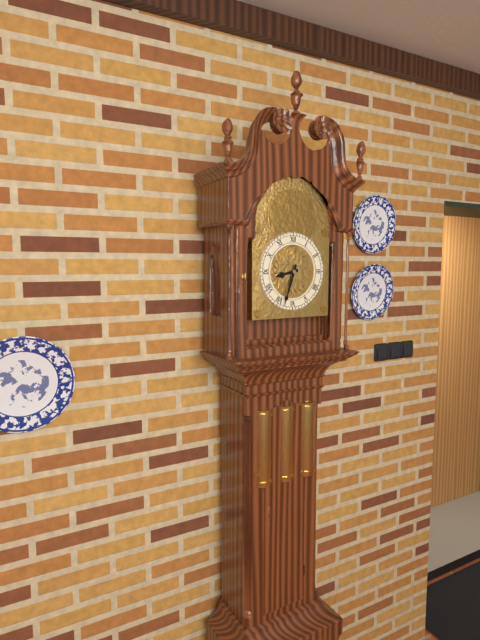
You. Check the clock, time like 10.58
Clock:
8.33
